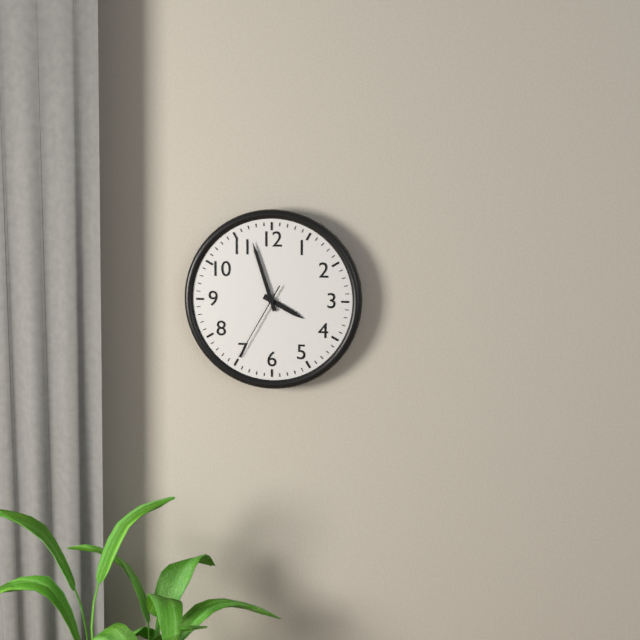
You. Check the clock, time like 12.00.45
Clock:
3.57.35
